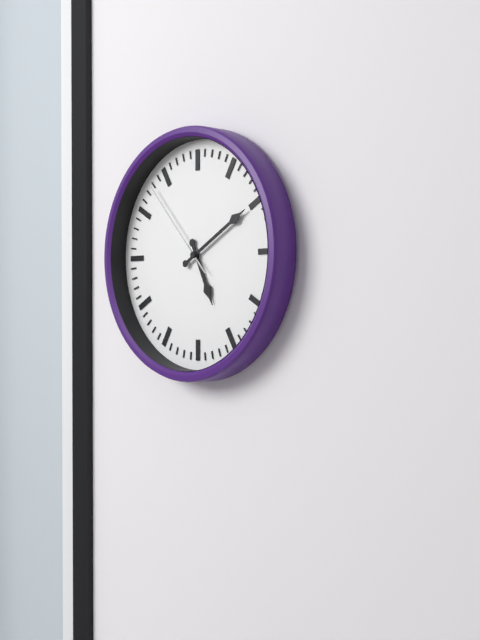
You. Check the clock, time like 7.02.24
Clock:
5.10.53
